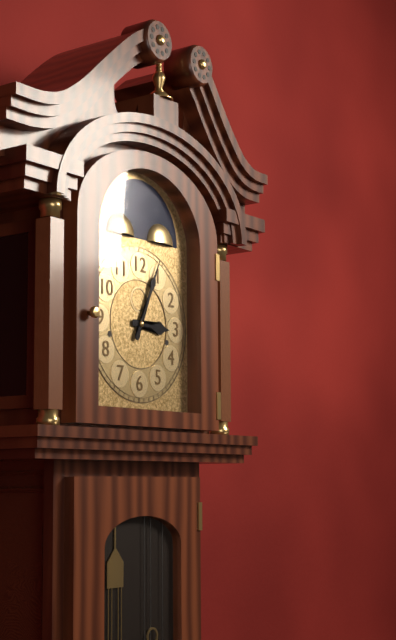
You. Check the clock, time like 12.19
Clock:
3.04
